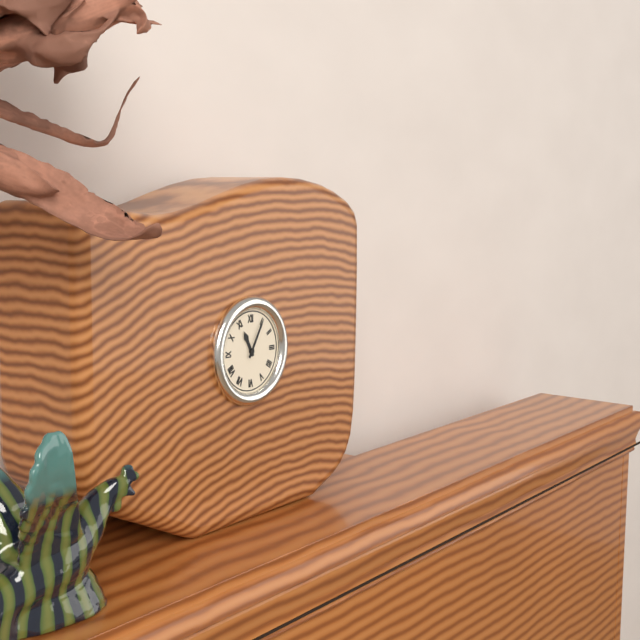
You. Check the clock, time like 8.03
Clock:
11.05
